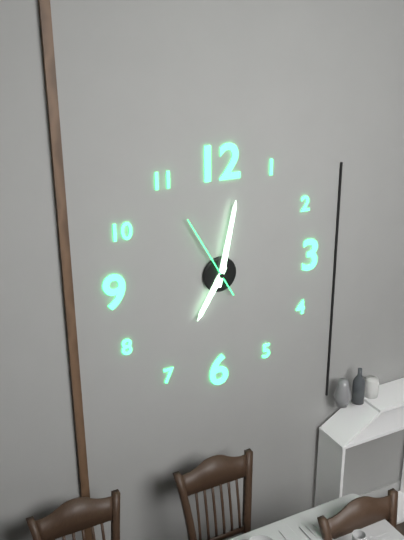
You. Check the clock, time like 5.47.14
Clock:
7.02.55
